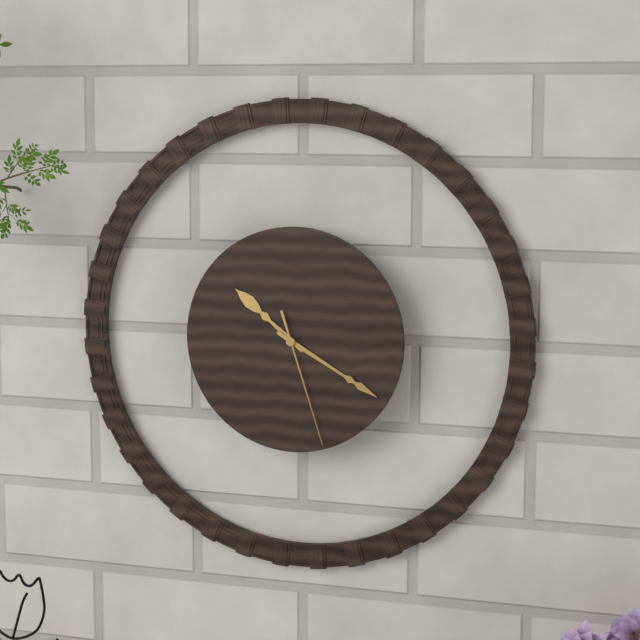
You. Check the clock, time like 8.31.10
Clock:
10.20.27
